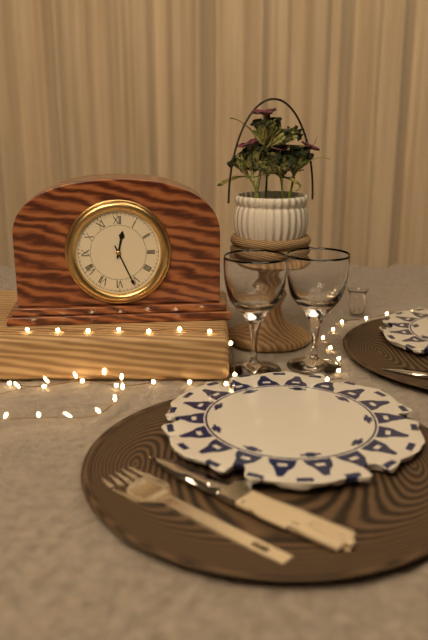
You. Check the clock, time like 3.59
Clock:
12.26
